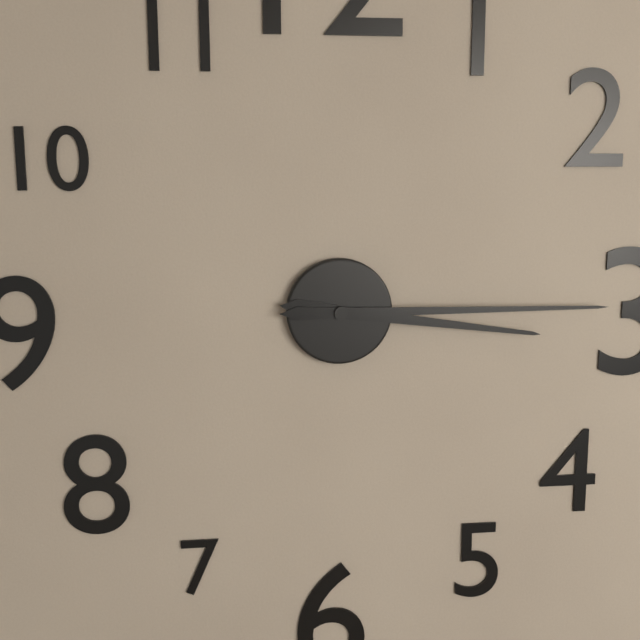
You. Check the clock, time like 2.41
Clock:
3.15
